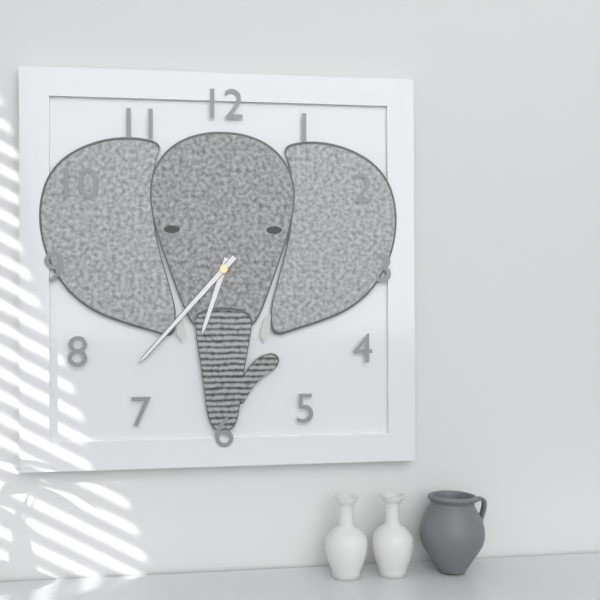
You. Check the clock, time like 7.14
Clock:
6.37
